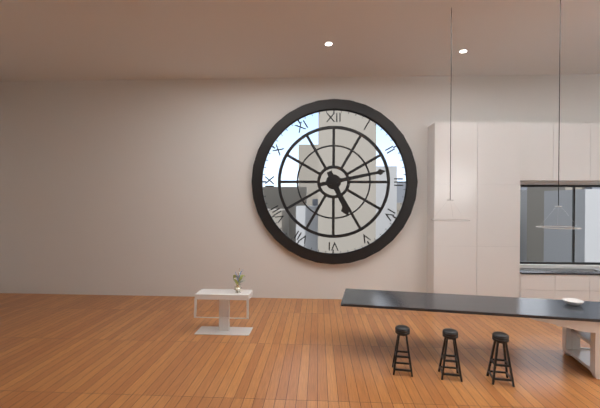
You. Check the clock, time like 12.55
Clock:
5.13
